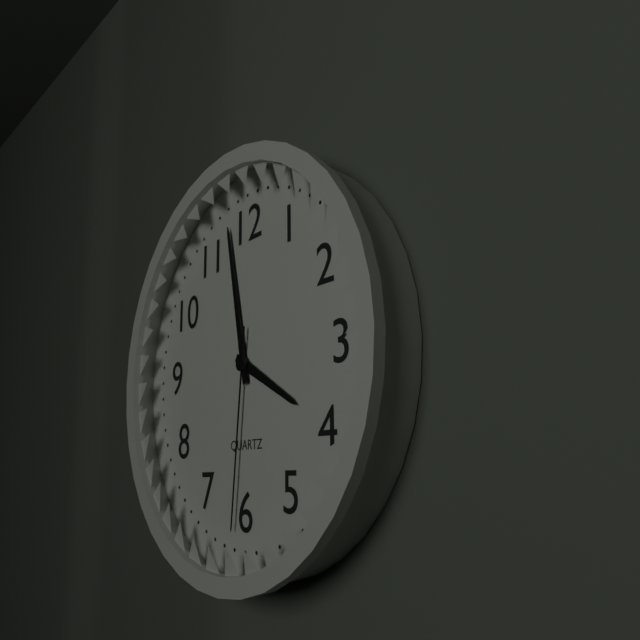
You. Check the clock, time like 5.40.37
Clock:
3.58.31
